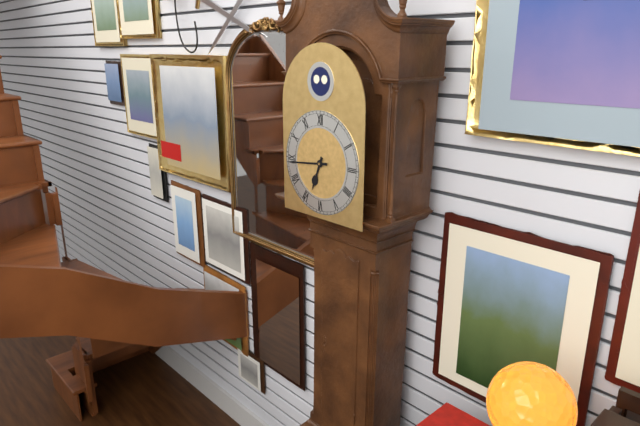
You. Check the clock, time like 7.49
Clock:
6.44
